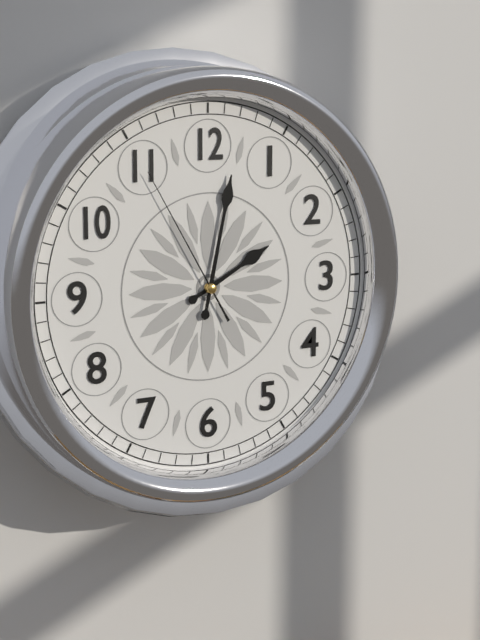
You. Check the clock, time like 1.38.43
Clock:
2.02.55
